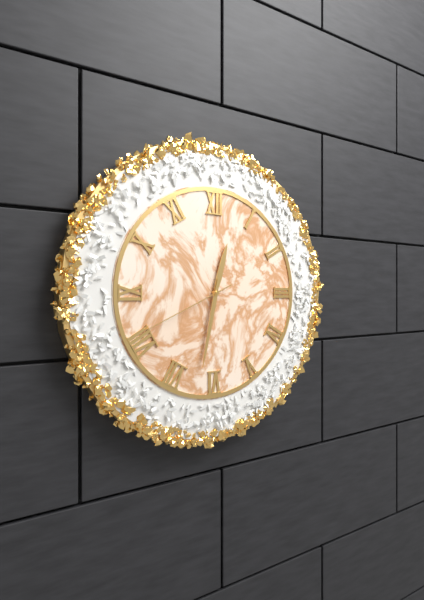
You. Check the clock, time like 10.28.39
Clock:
12.32.41
